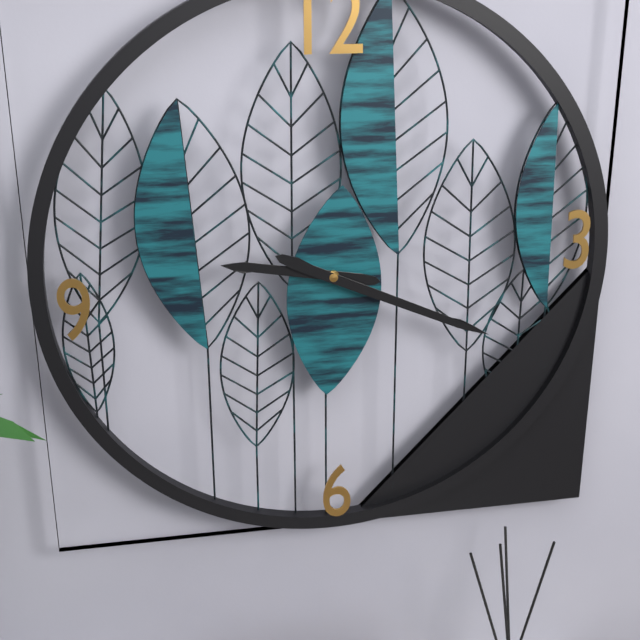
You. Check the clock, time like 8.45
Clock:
9.19
